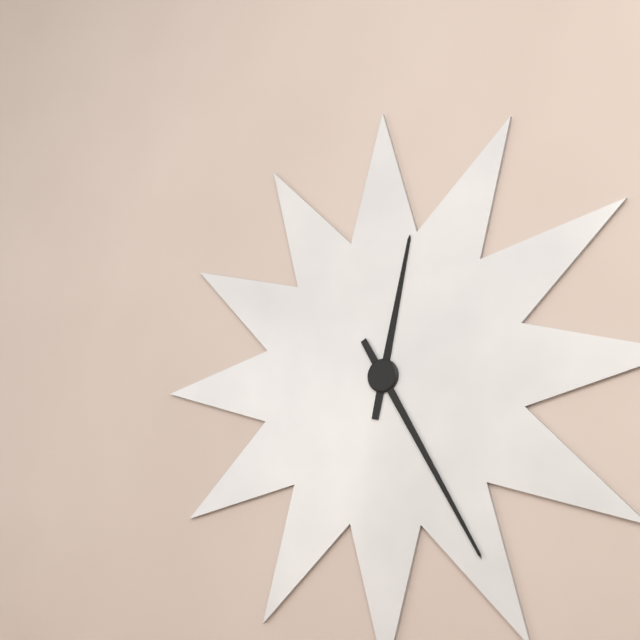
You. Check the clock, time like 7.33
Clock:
12.25
